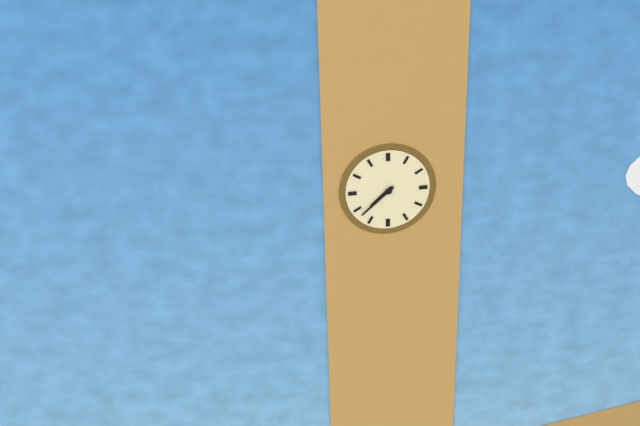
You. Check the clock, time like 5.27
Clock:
7.38
